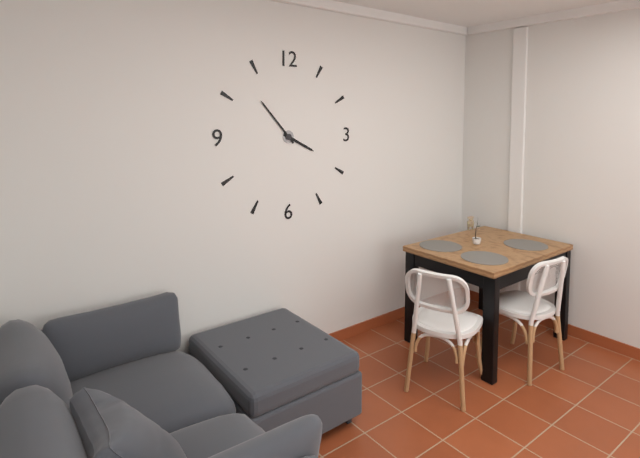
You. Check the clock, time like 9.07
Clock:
3.53
